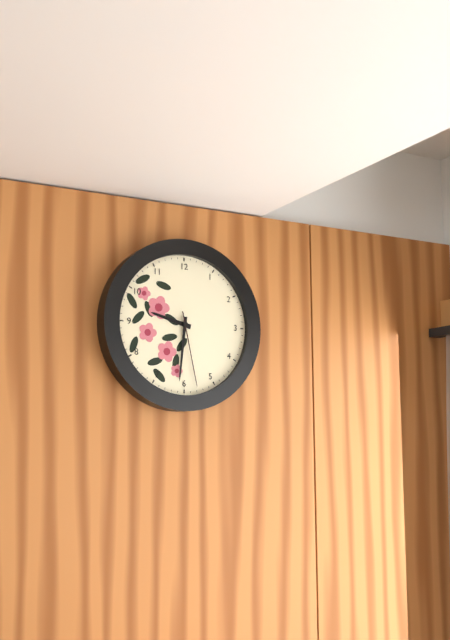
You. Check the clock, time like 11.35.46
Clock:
9.31.28
